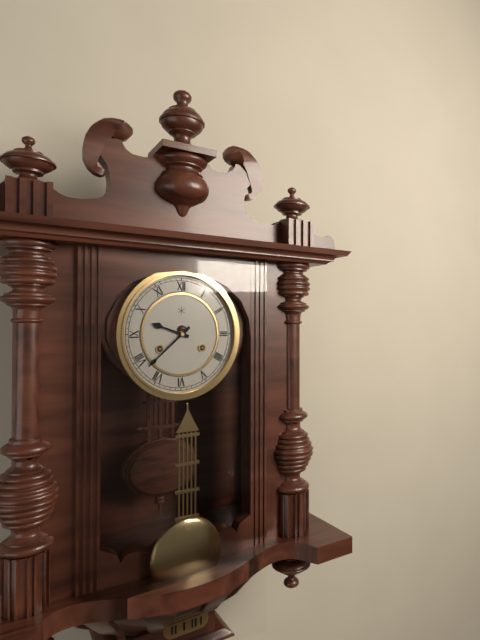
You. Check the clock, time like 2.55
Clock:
9.38
